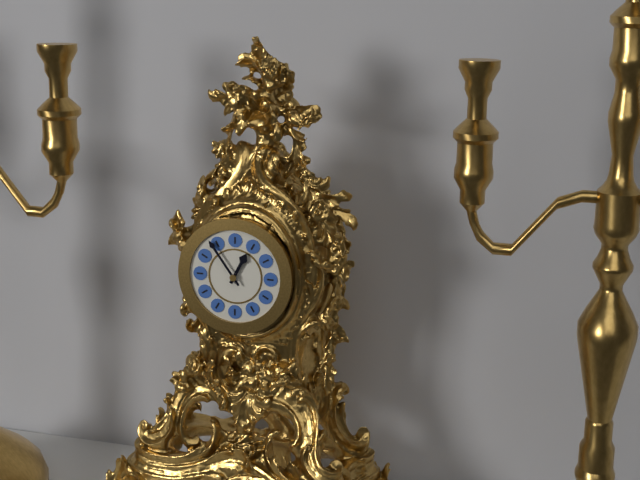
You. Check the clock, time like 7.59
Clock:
12.54
